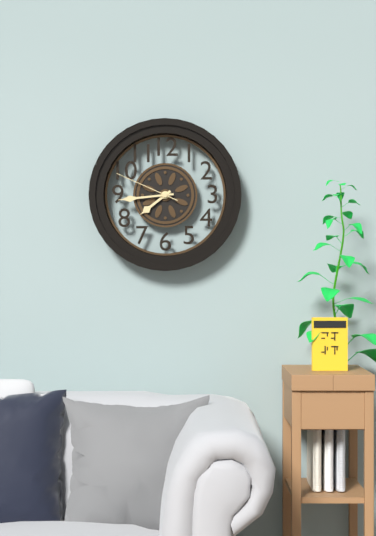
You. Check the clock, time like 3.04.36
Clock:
7.44.49
